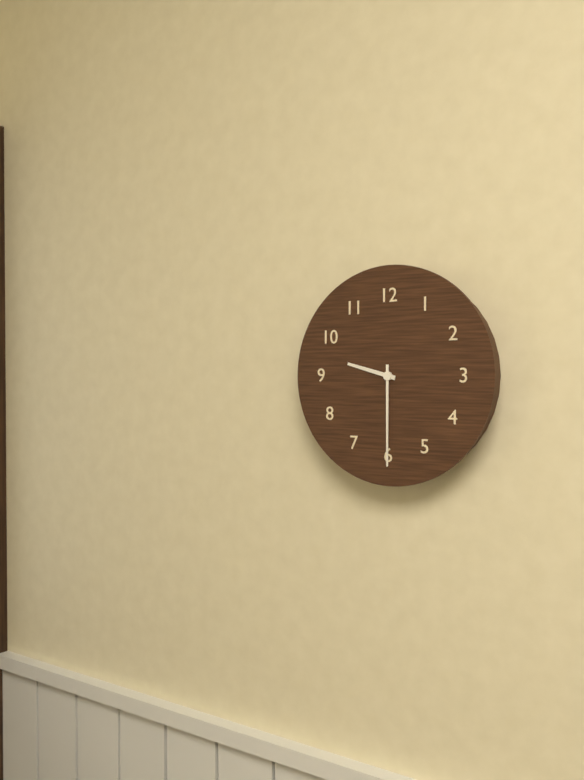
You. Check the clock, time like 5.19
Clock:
9.30
